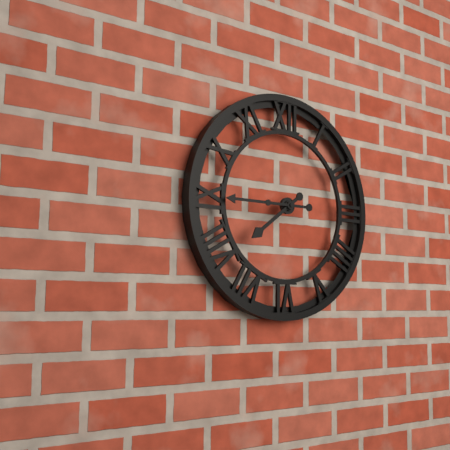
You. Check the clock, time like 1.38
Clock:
7.45
